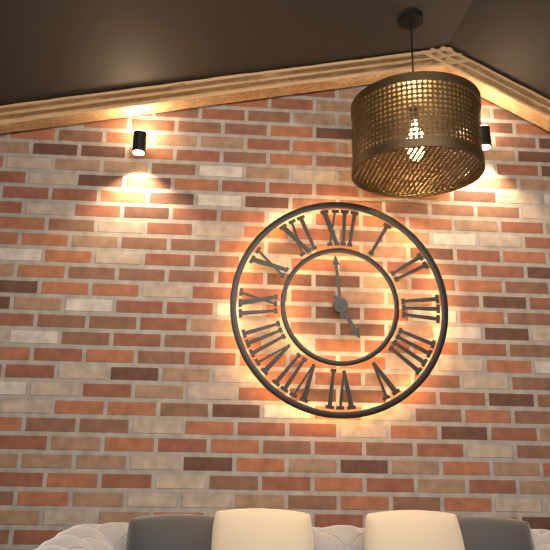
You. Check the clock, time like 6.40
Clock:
4.59
